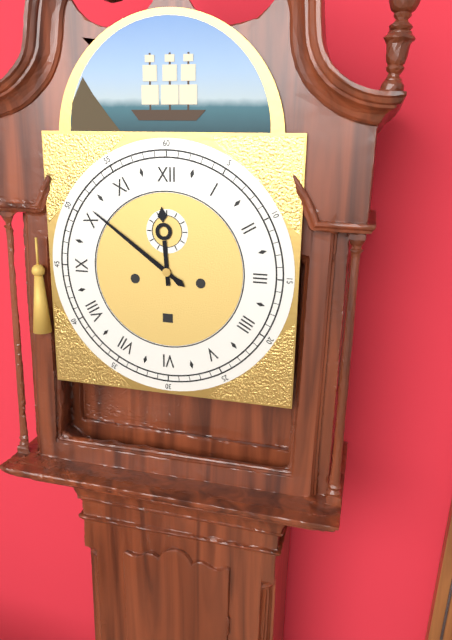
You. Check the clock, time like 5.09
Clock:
11.51
